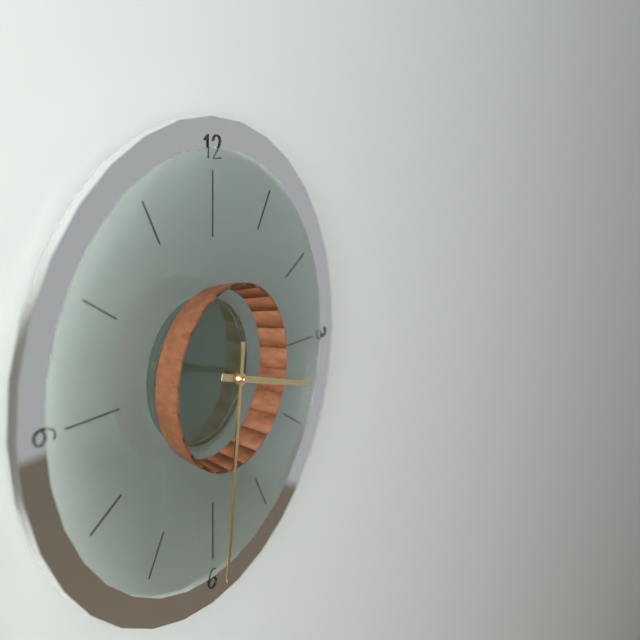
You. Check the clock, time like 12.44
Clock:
3.31
